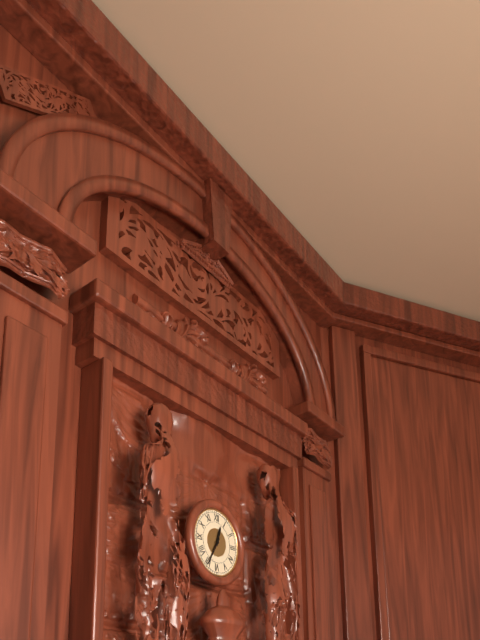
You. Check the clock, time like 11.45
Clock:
12.35
